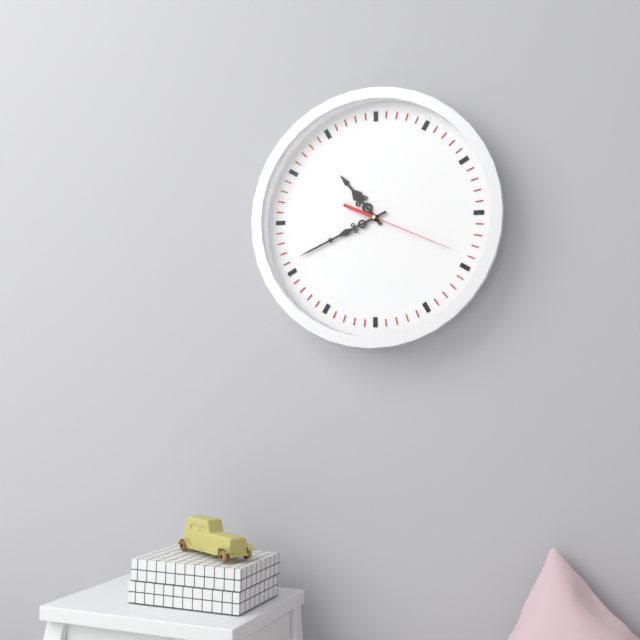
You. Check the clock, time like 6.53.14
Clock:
10.41.19
